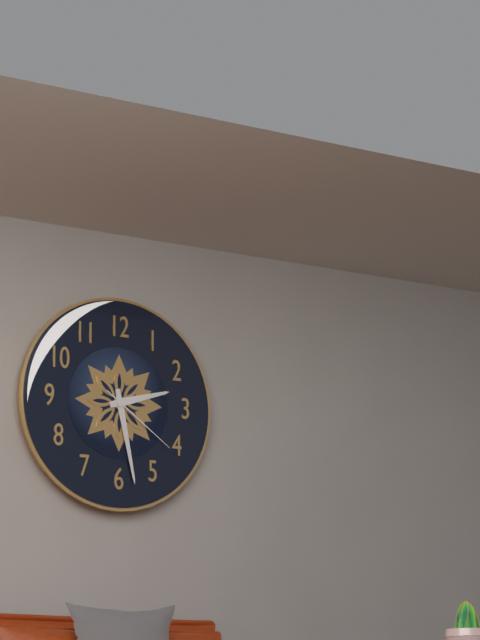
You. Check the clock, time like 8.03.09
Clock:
2.28.21
